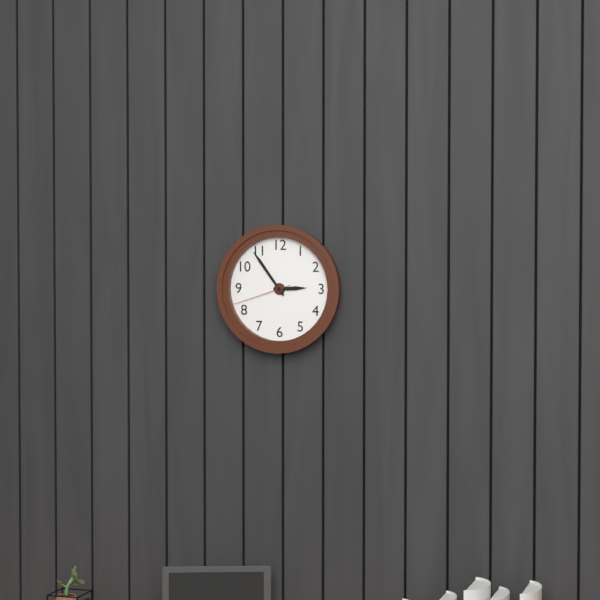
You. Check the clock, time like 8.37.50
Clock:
2.54.42
